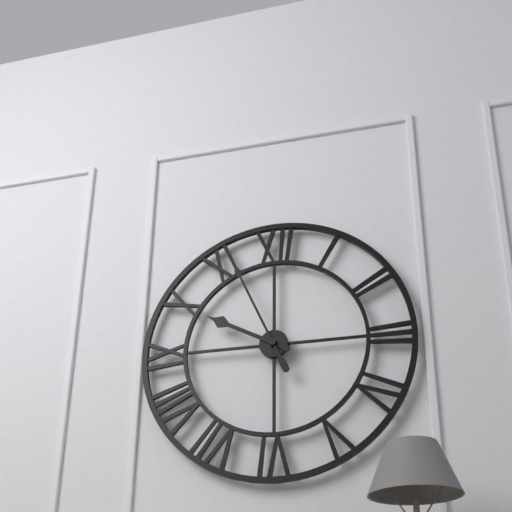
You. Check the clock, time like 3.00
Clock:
9.56
